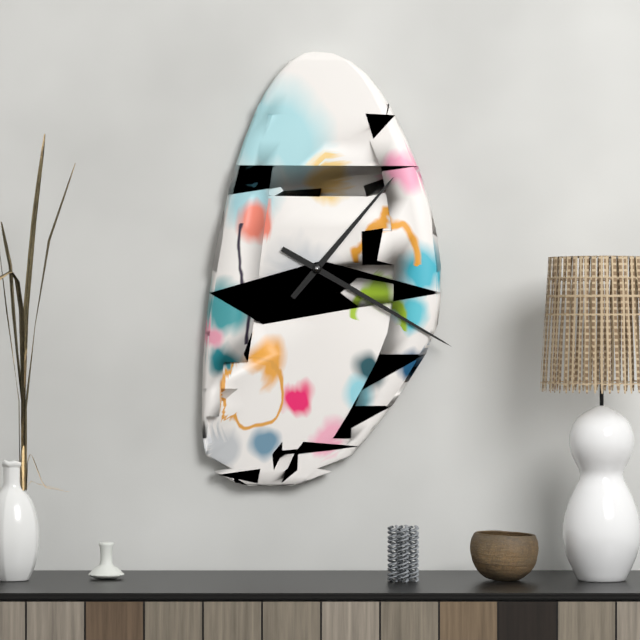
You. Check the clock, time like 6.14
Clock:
1.20
